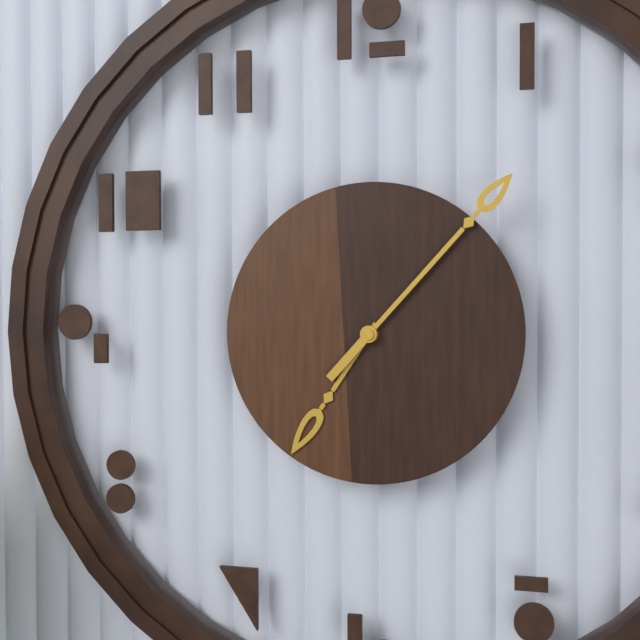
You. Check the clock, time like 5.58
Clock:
7.07
